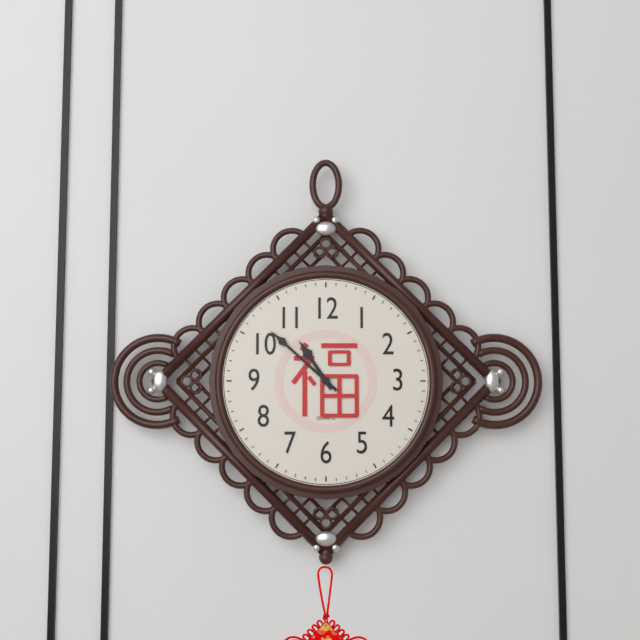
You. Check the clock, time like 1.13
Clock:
10.52
